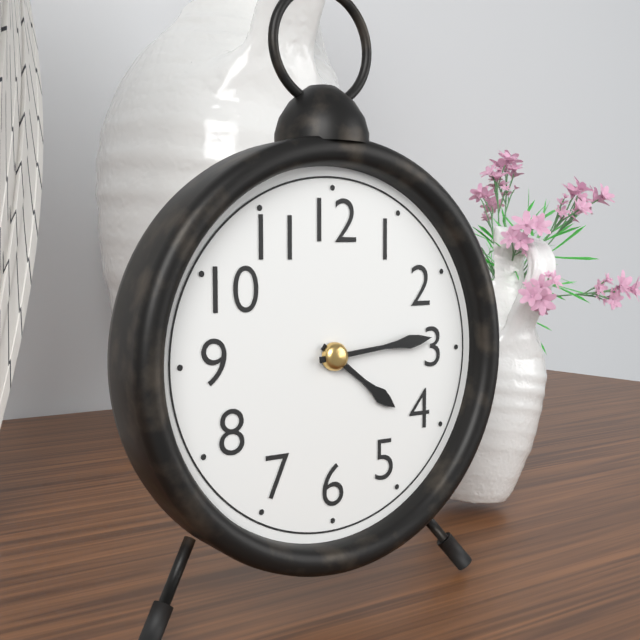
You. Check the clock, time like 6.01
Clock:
4.14
